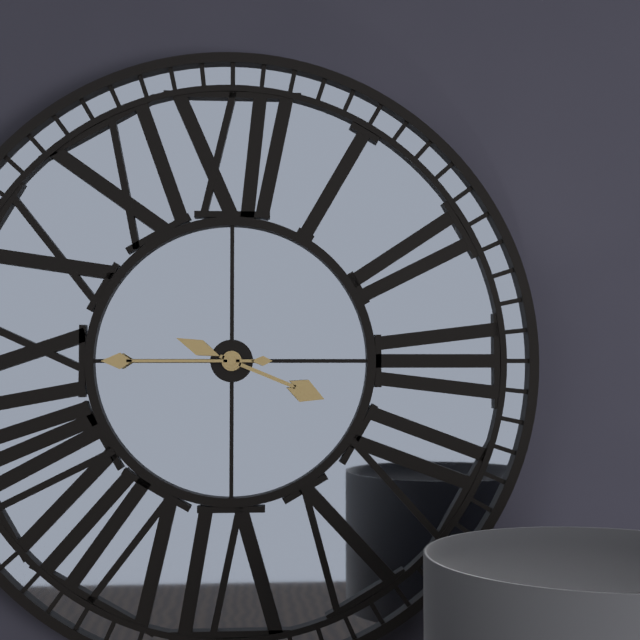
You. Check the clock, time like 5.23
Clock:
3.45
